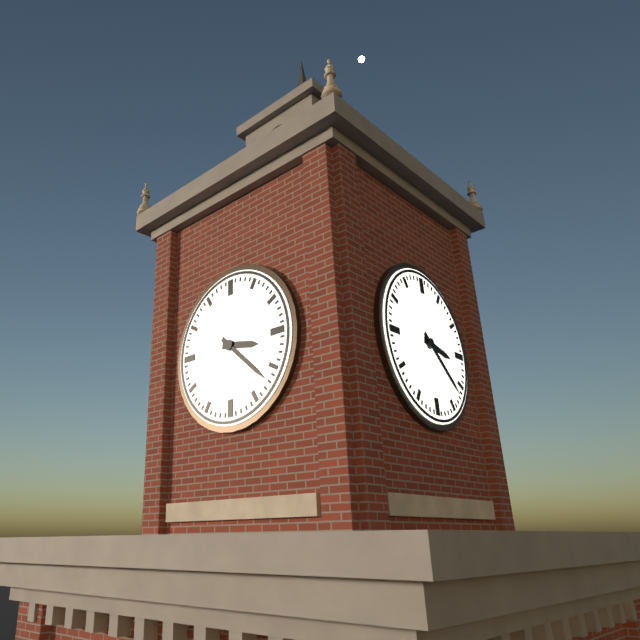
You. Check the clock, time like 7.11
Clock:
3.22
